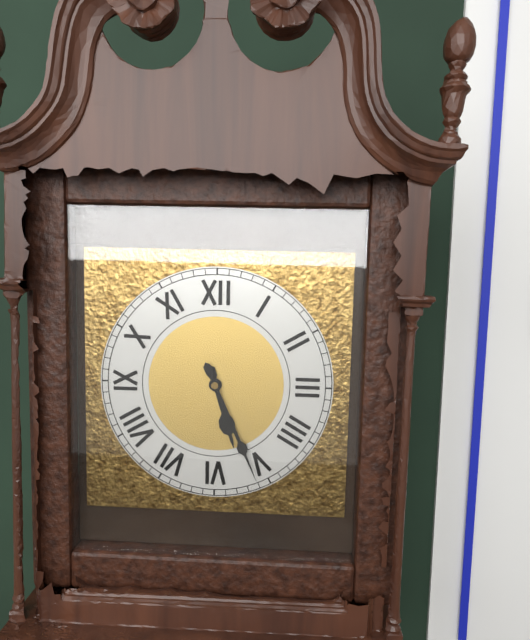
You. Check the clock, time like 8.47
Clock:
5.26
